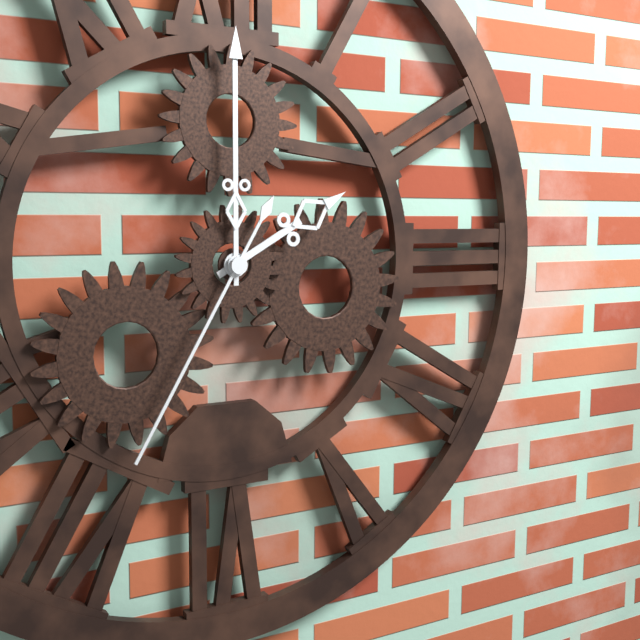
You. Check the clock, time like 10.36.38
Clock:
2.00.35
